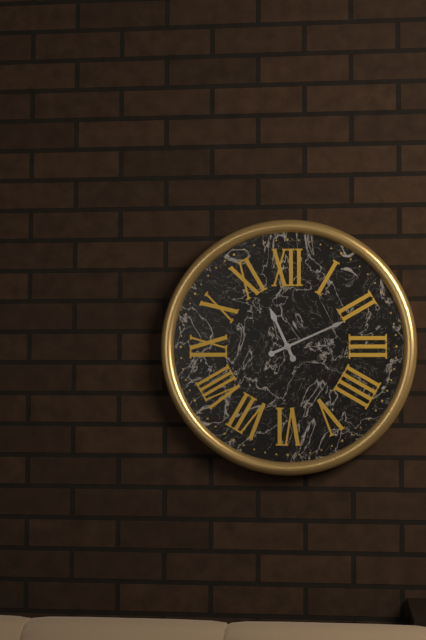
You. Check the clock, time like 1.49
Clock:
11.11
